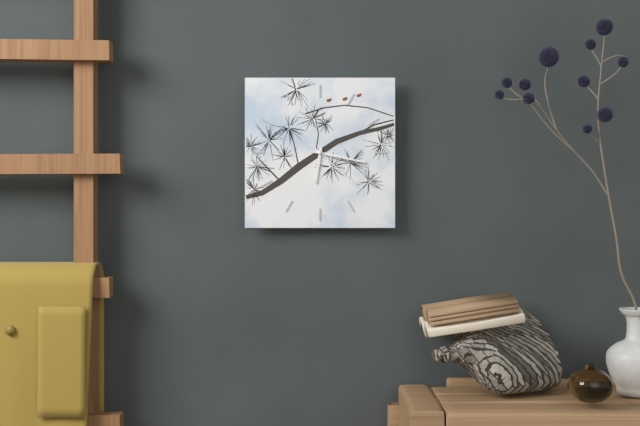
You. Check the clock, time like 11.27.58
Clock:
6.17.22
